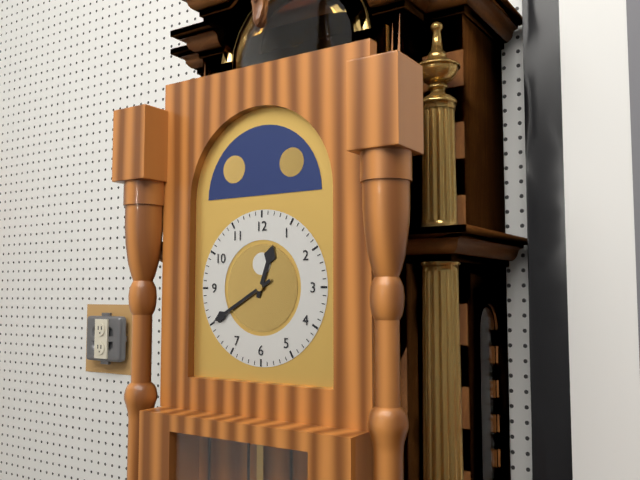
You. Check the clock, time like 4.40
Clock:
12.40
